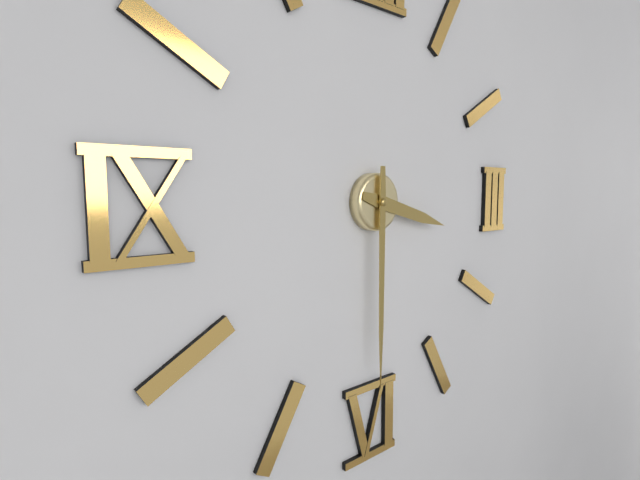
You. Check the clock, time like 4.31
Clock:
3.30
